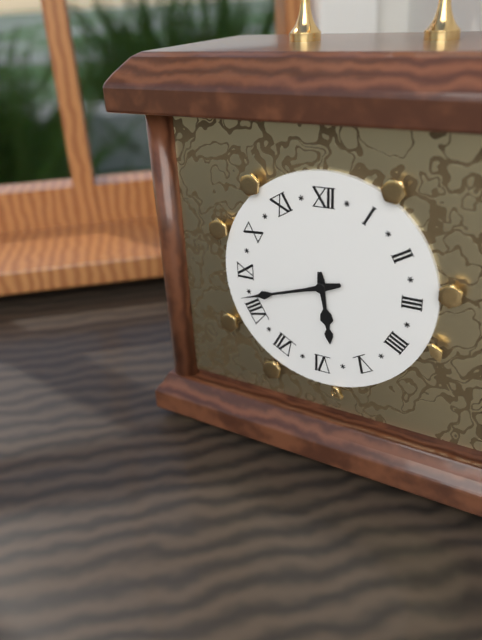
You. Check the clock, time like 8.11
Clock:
5.42
